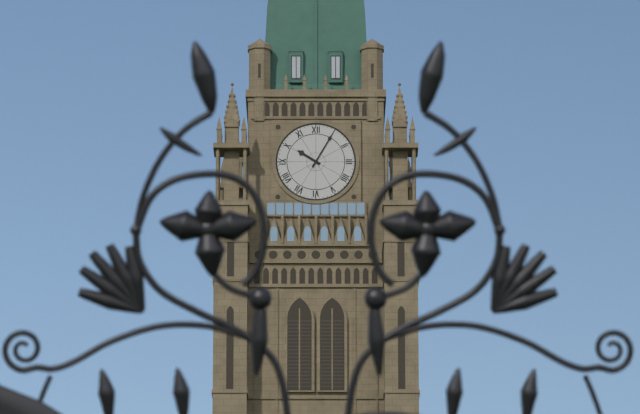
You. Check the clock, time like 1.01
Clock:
10.05
